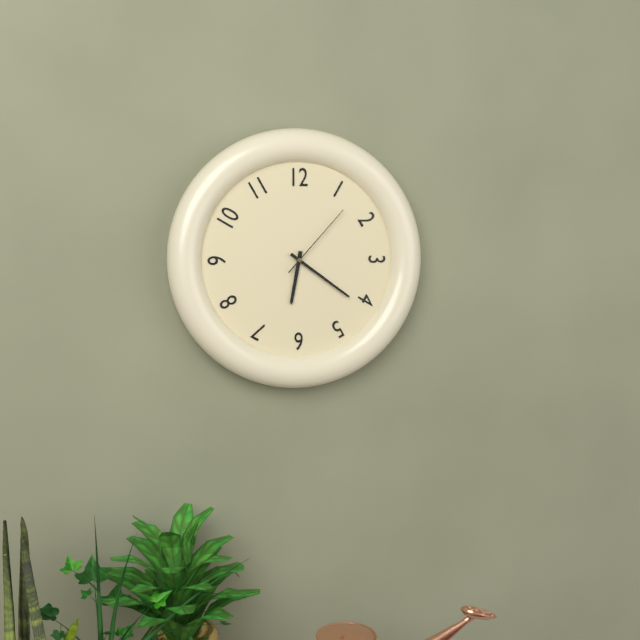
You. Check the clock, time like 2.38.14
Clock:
6.21.07
